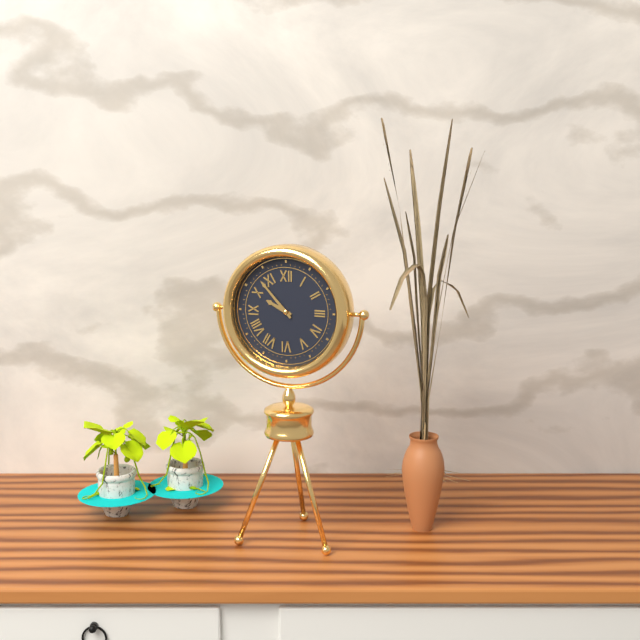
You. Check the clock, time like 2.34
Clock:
9.53
